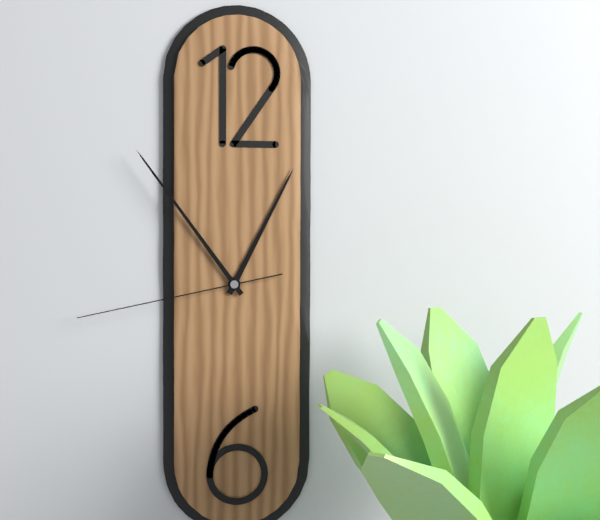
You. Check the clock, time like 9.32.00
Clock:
12.54.43
